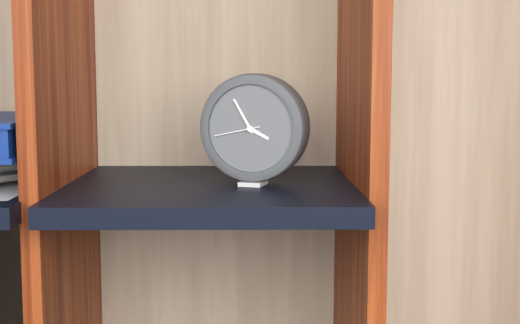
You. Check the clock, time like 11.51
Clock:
3.55
